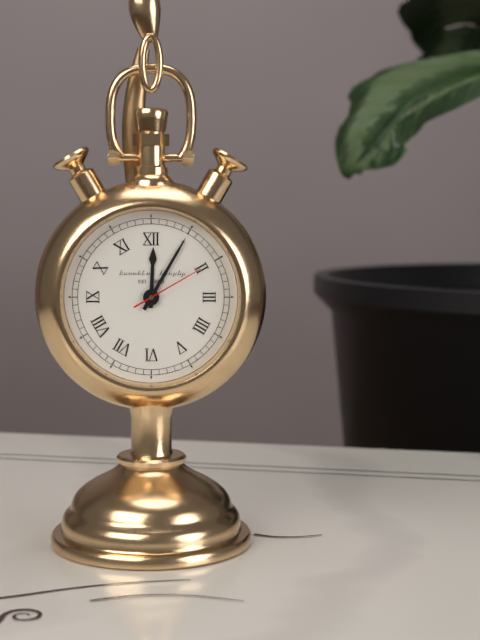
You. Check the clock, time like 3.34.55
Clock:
12.05.10
